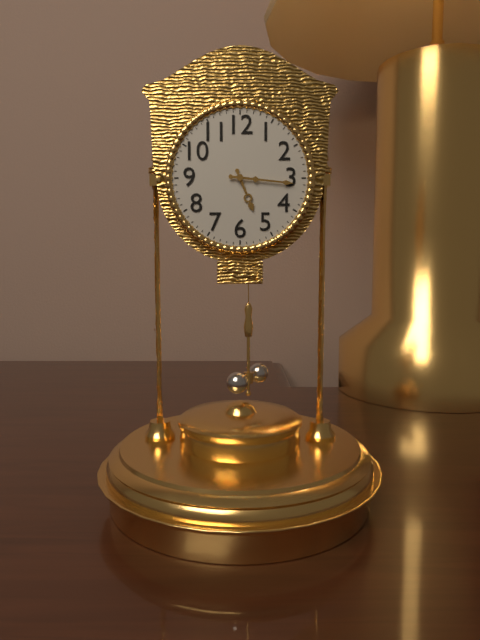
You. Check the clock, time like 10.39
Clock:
5.16
